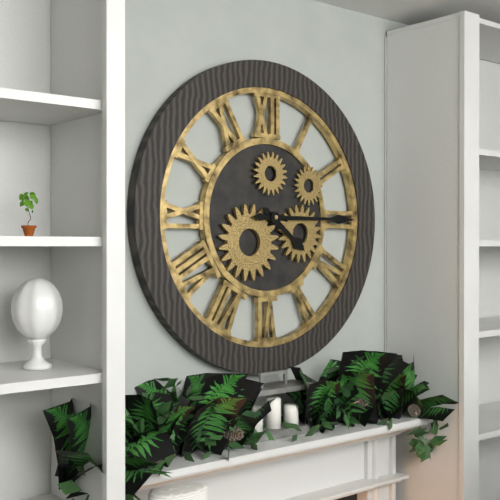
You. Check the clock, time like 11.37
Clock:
4.15
